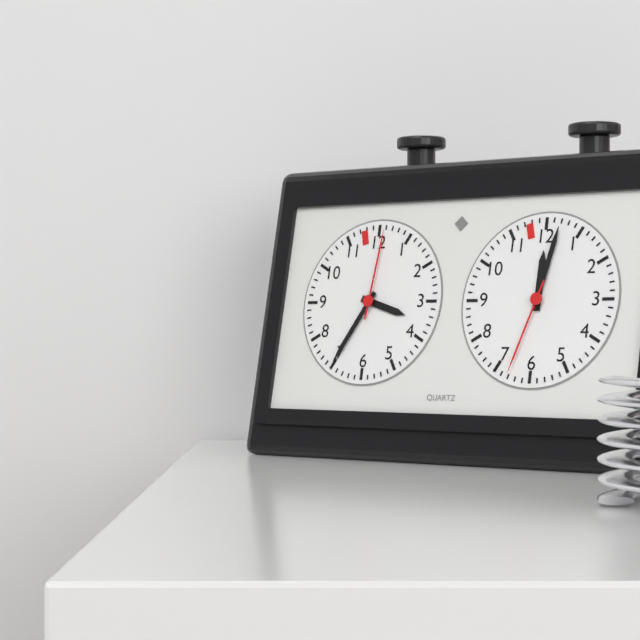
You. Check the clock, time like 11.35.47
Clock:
3.35.01
